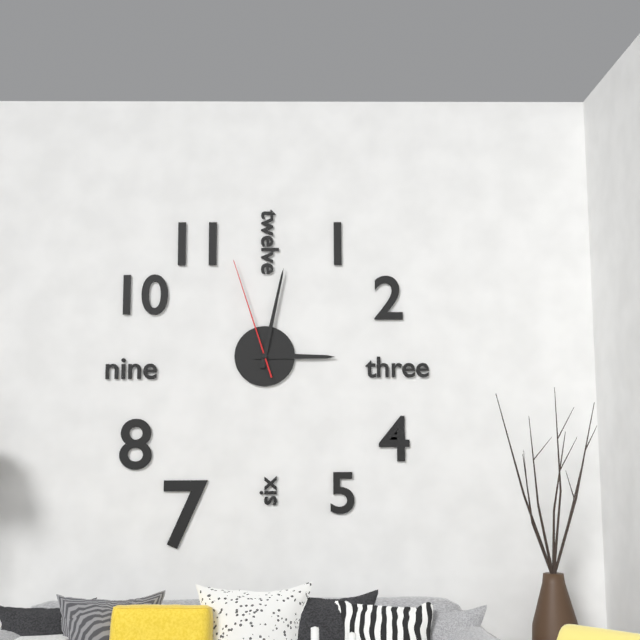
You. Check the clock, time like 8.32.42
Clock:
3.02.57
